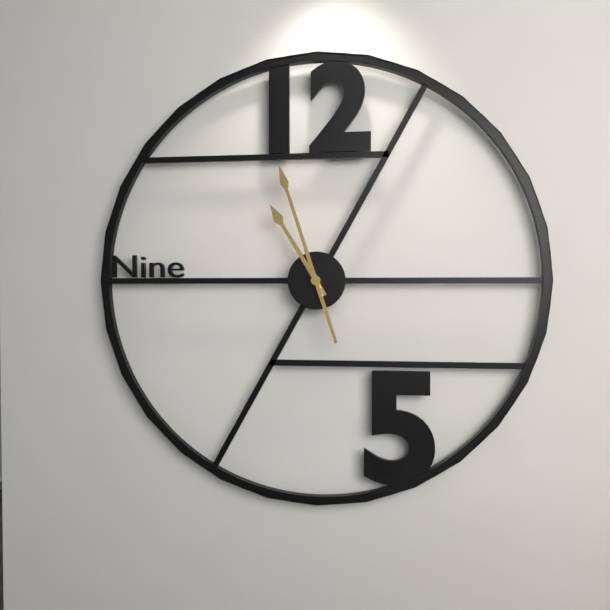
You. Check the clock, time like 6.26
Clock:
10.57
